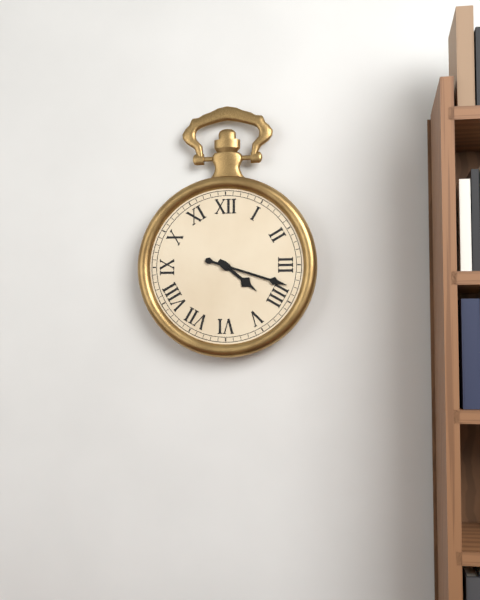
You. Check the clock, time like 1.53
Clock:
4.18
